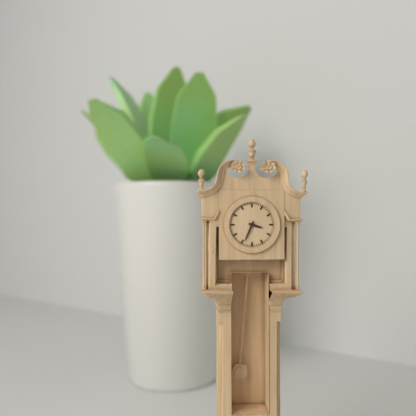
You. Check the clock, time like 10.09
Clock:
3.34
